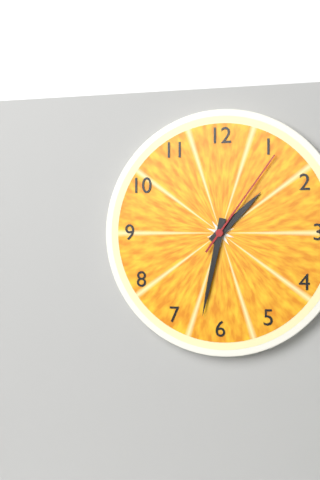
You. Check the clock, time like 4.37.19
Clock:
1.32.06
